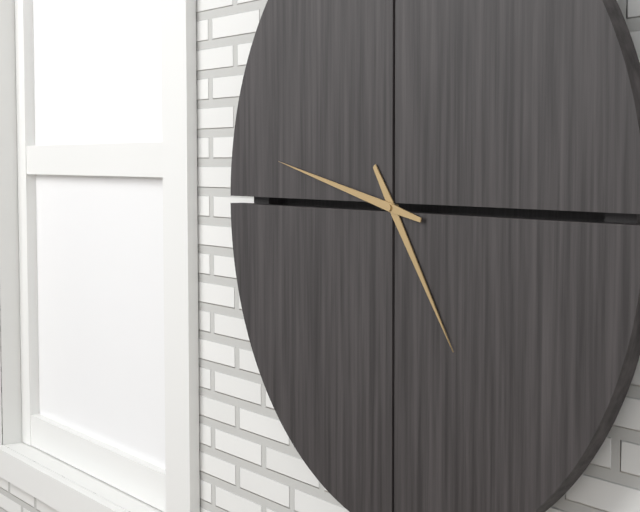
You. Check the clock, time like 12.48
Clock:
4.47
